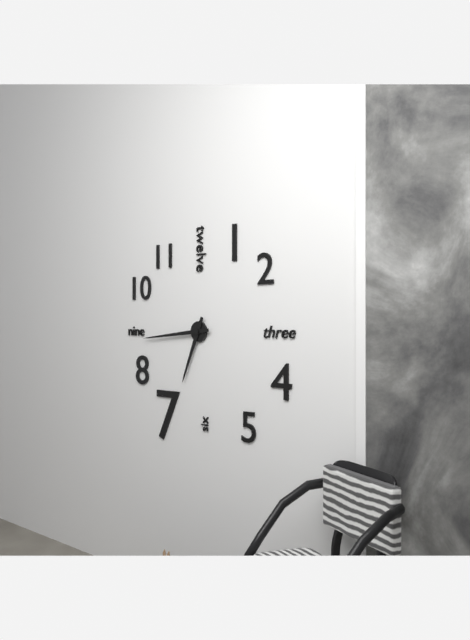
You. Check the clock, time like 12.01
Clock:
6.44
